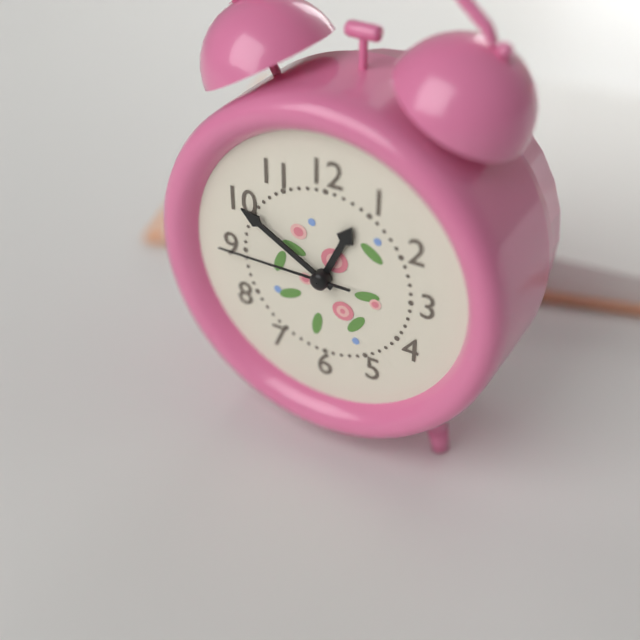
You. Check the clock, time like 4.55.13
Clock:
12.50.45
